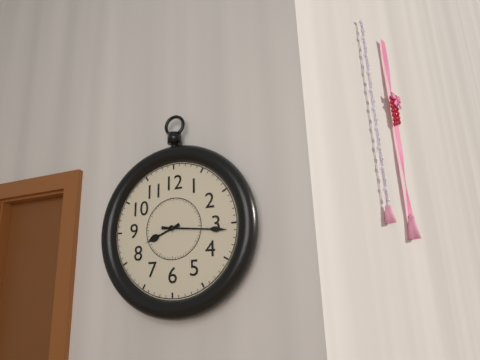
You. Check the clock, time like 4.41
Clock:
8.16
